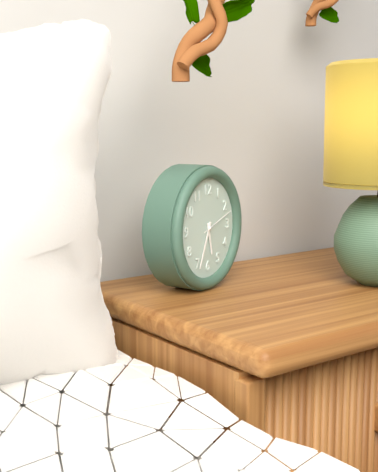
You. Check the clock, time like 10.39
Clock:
5.34
